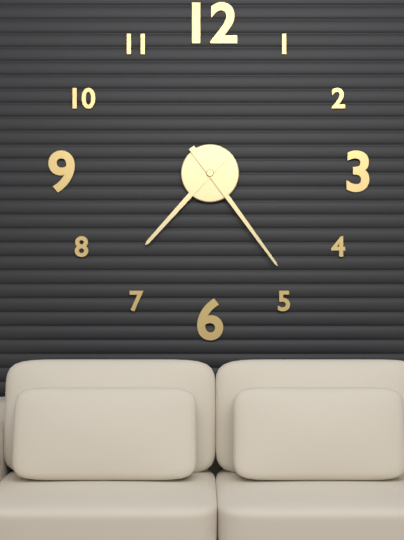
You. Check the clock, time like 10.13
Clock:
7.24
